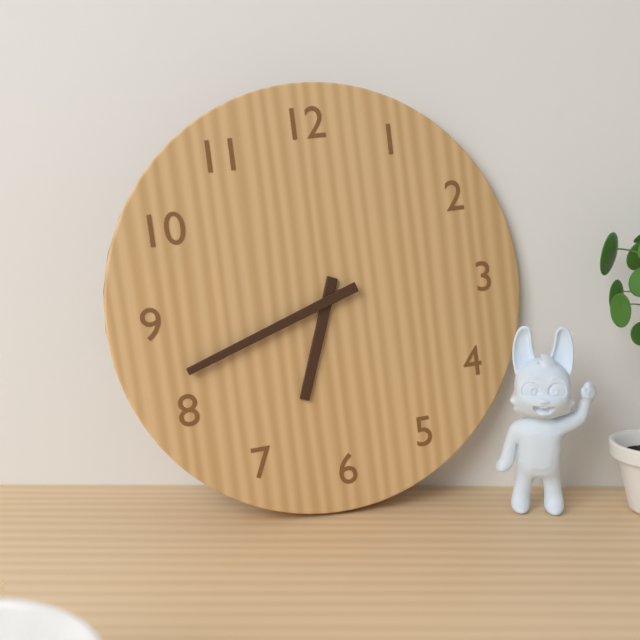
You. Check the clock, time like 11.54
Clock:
6.42
